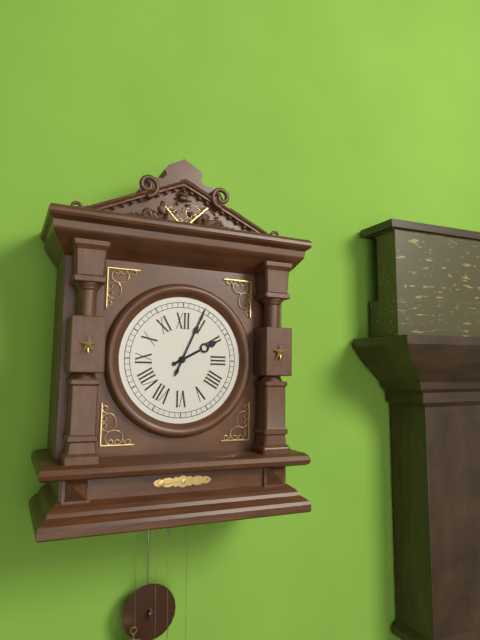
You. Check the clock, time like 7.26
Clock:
2.04
